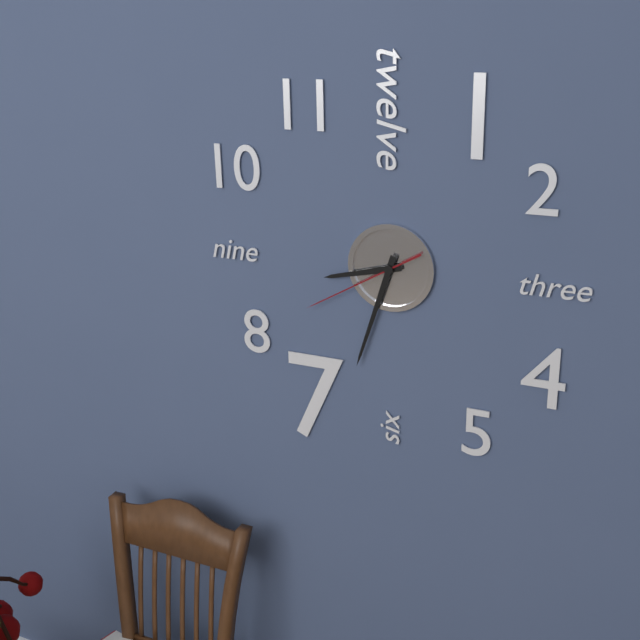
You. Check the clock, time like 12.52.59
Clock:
8.33.40
